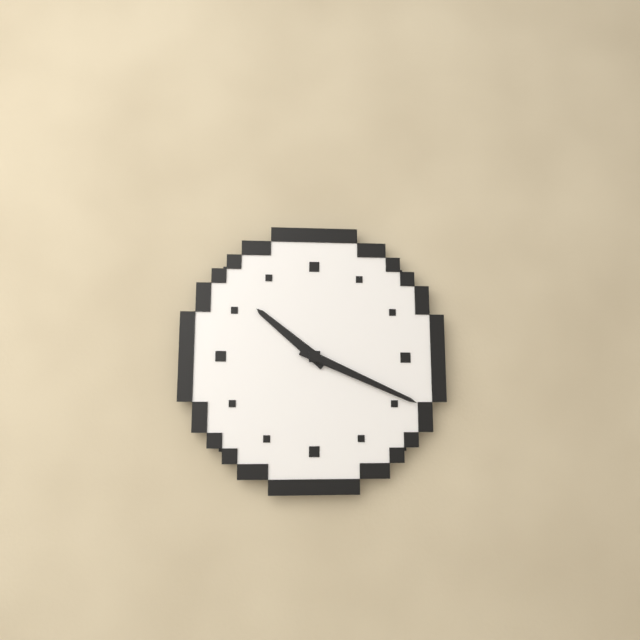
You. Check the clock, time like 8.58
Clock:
10.19
